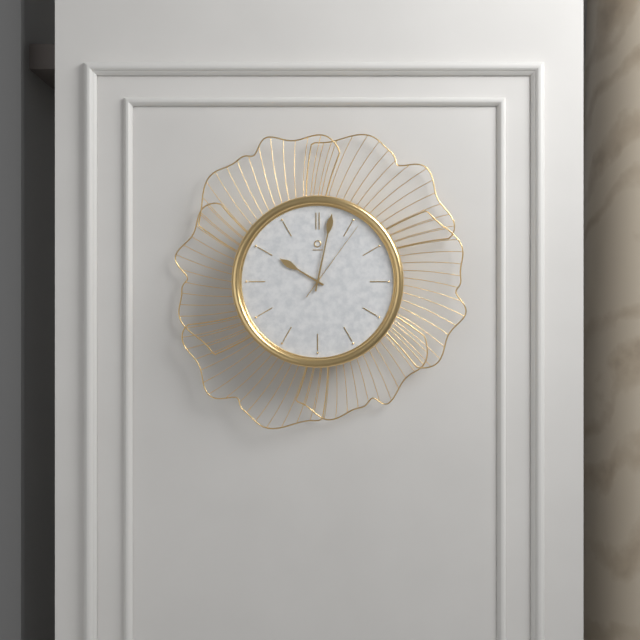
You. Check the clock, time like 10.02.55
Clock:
10.02.06
